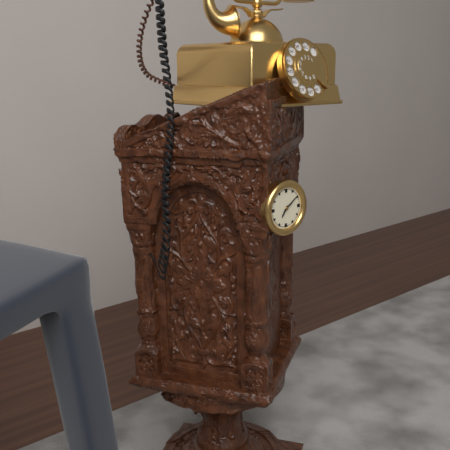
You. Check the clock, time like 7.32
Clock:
7.09
